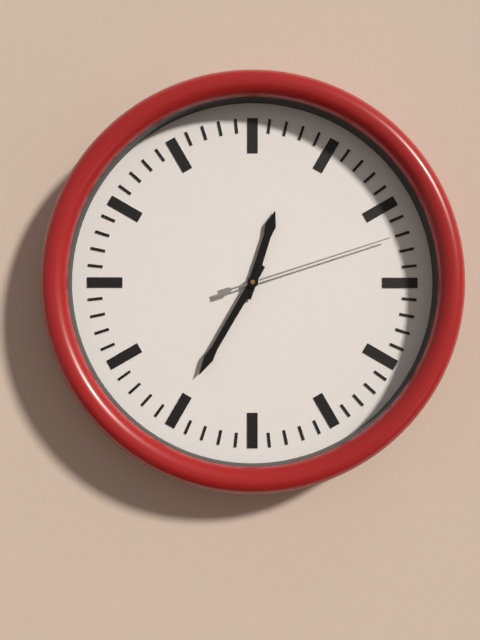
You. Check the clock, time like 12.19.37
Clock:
12.35.12
